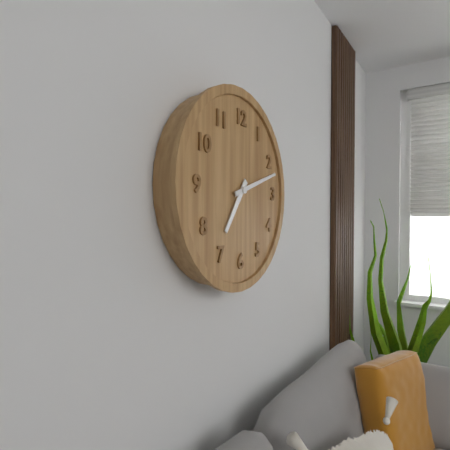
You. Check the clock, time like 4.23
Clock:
7.12
